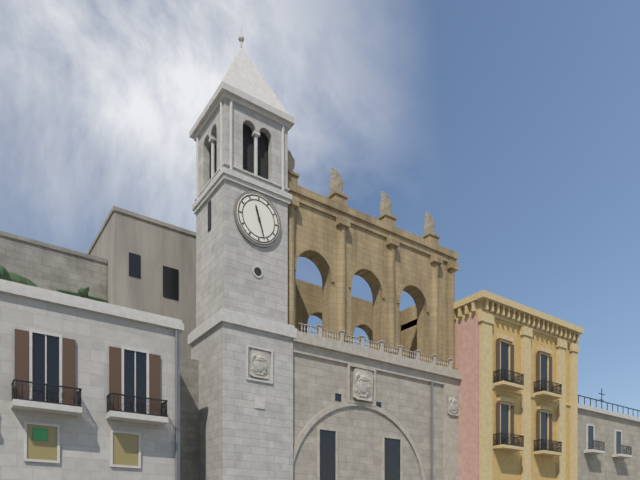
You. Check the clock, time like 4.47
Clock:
11.27
